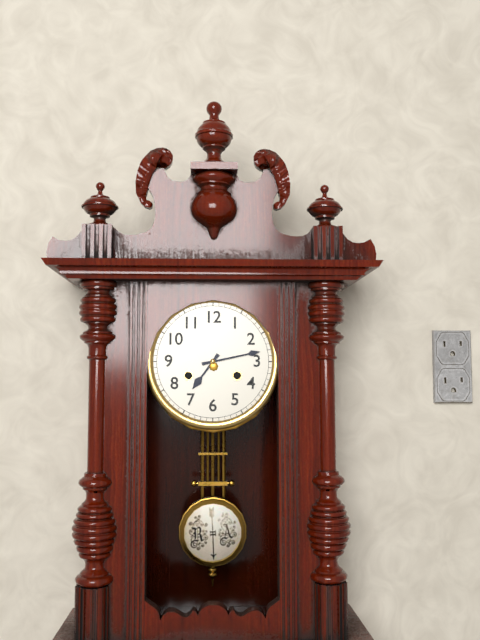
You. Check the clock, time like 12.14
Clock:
7.13
